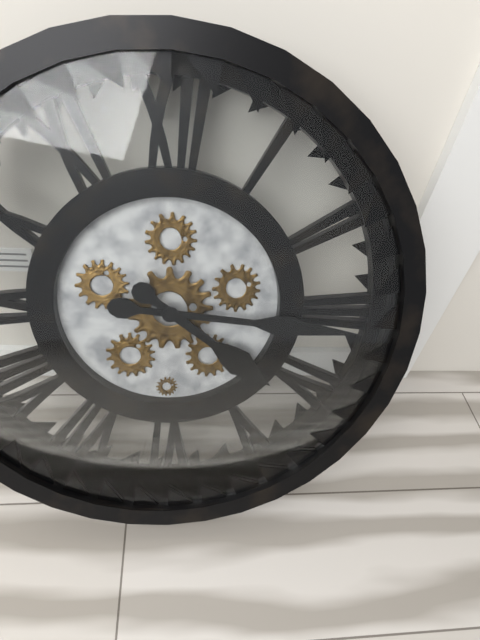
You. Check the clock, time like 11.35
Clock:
4.16
